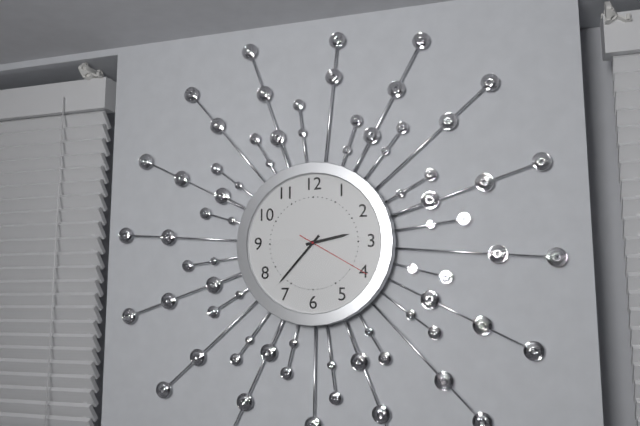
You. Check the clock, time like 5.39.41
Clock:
2.37.20
